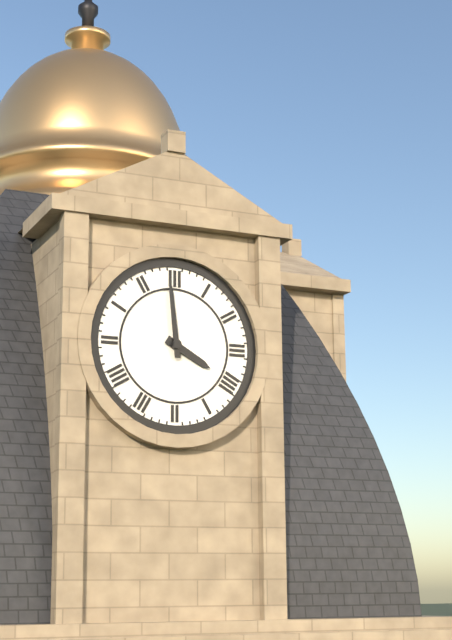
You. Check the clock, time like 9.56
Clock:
3.59
